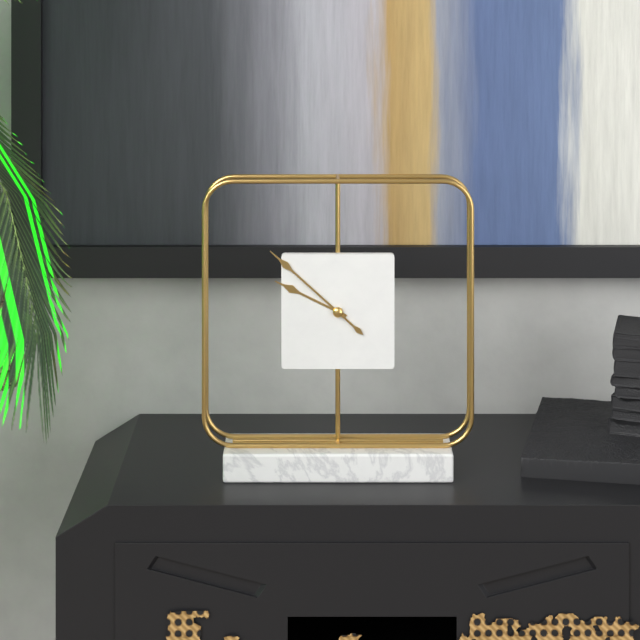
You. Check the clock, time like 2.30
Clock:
9.52
